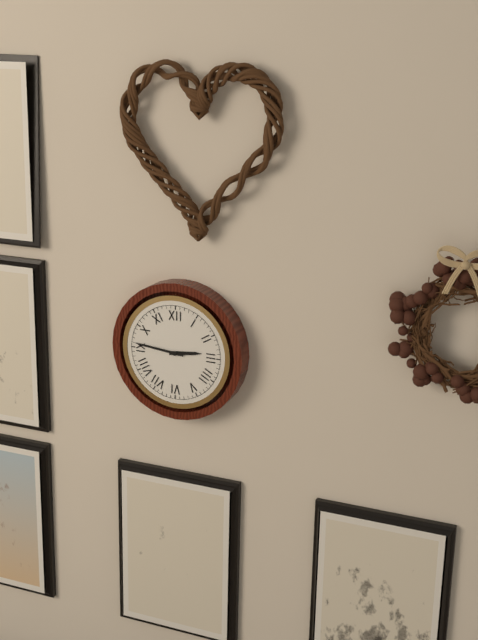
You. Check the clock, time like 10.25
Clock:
2.46
